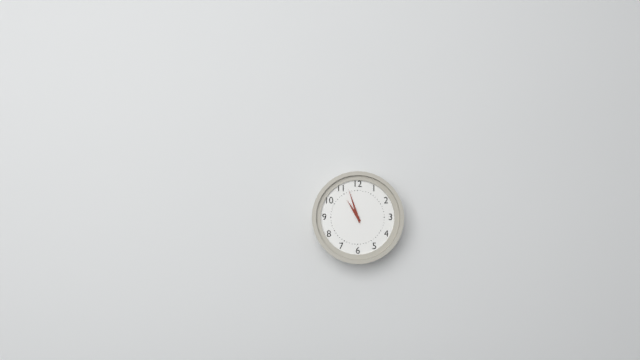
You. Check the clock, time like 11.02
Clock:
10.57
